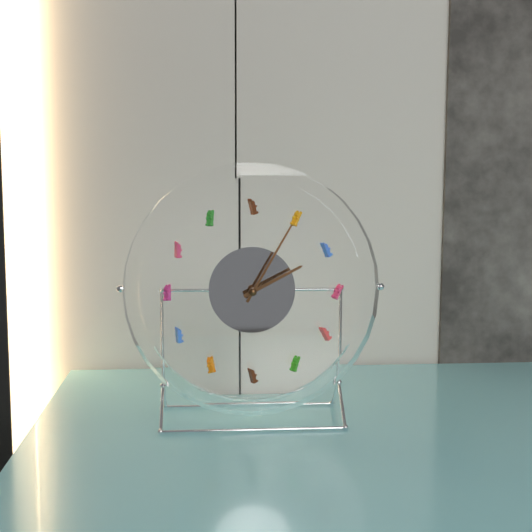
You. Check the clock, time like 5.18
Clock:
2.05
